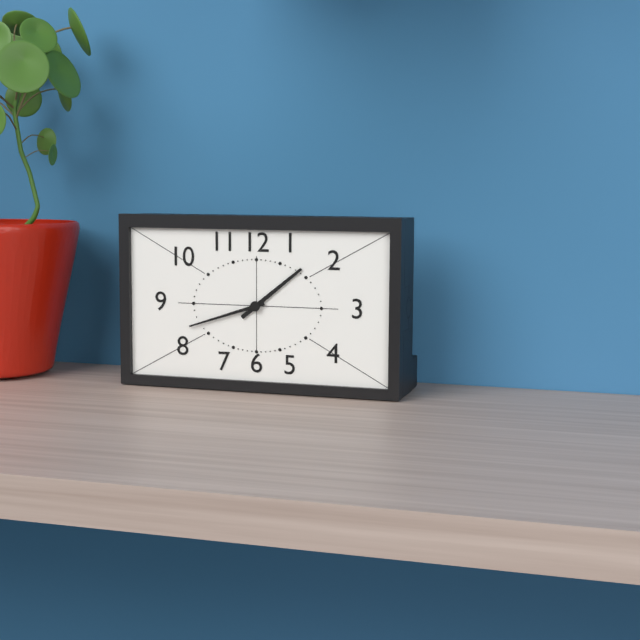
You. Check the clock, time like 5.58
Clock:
1.42
